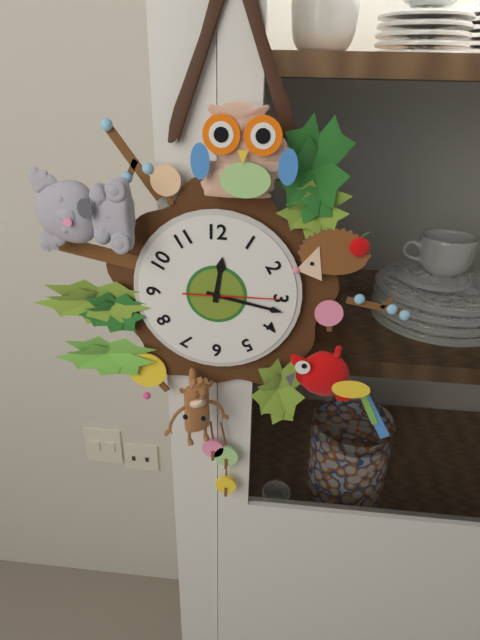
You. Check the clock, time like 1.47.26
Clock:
12.17.15
